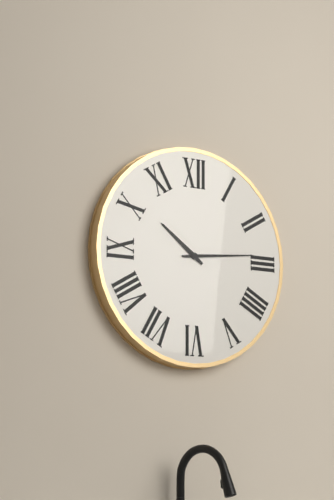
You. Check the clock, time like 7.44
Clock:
10.14
